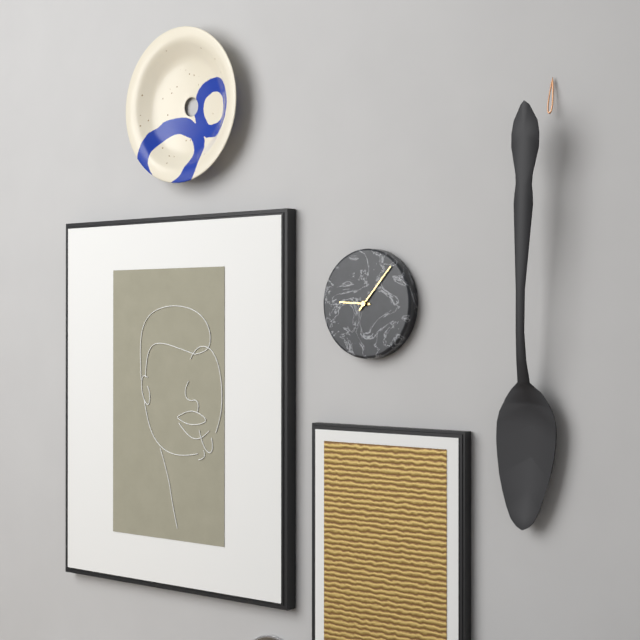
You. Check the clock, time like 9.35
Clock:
9.07
